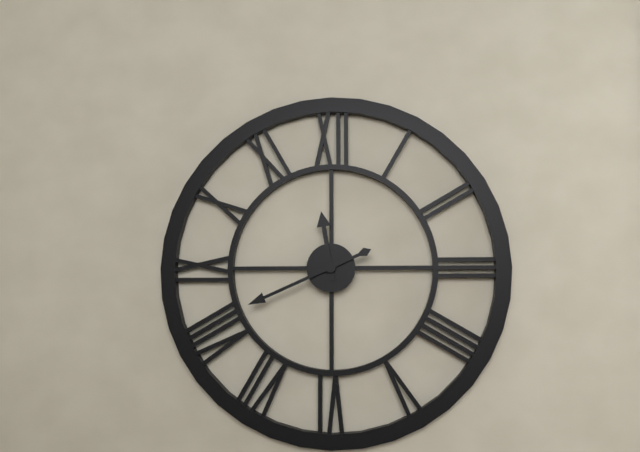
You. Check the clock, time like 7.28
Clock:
11.41
